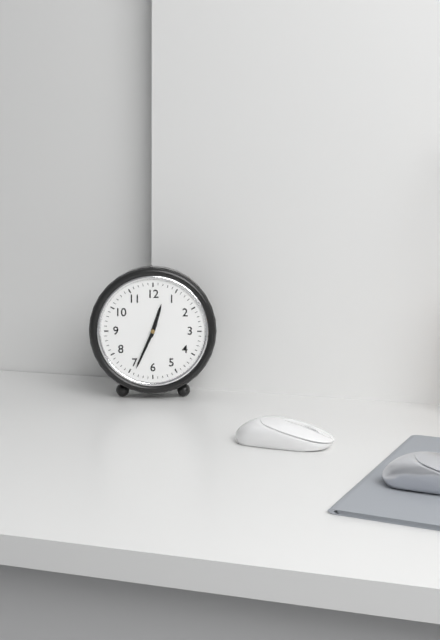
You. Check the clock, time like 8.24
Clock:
12.34
